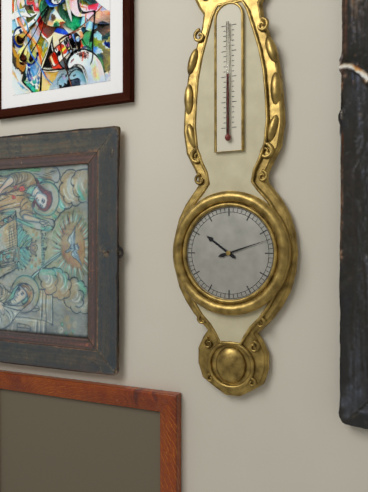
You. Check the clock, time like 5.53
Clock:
10.12
